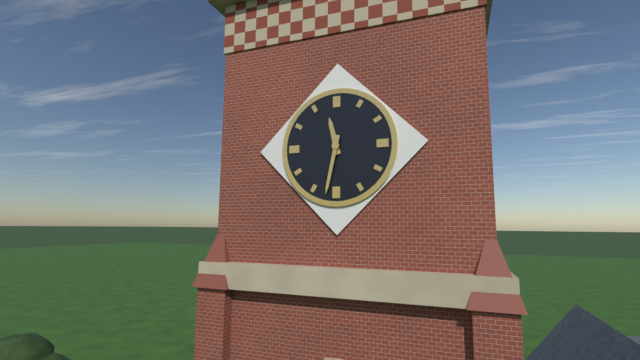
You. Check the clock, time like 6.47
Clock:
11.32
